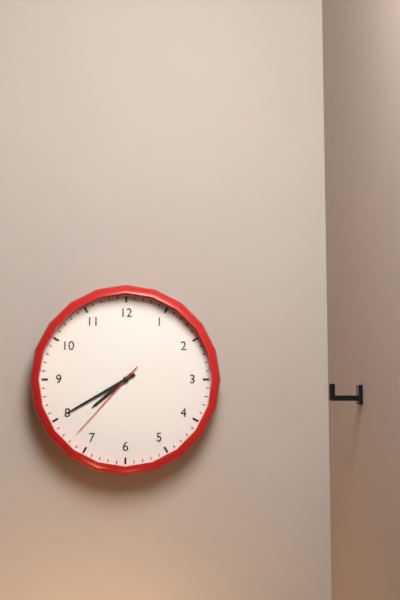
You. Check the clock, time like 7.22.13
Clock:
7.40.37
